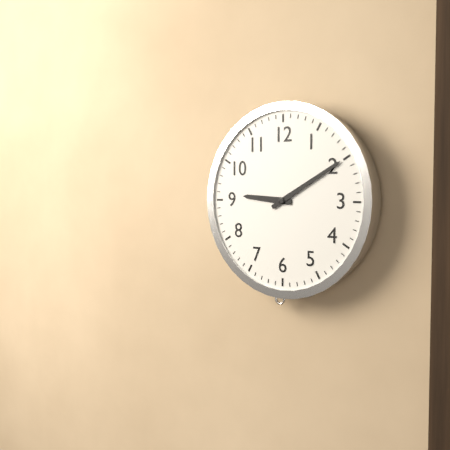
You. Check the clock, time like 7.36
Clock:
9.10
